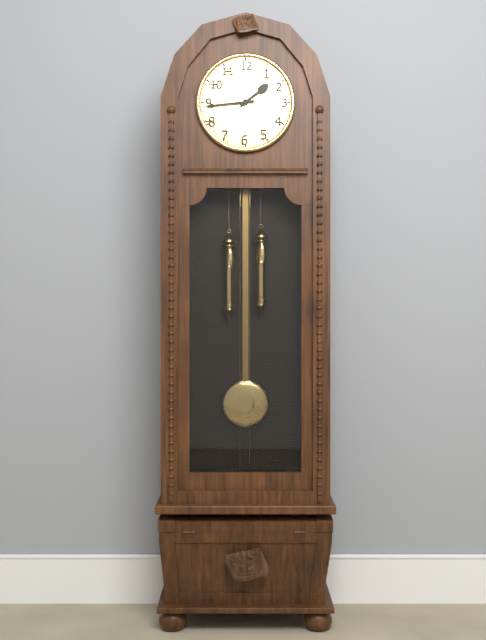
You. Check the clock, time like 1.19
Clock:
1.44
